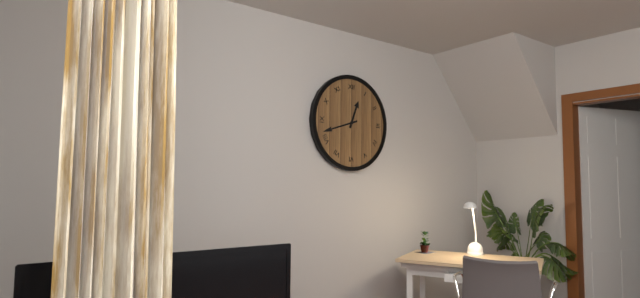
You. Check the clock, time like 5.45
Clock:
12.42
